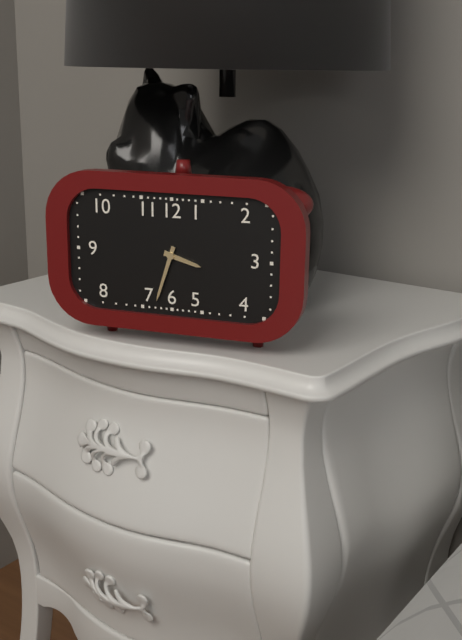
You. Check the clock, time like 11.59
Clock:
3.33
